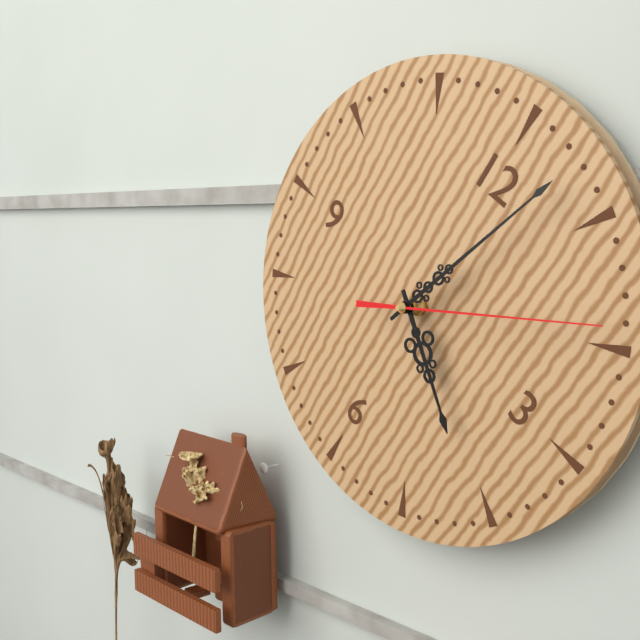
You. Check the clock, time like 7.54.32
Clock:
4.03.09
